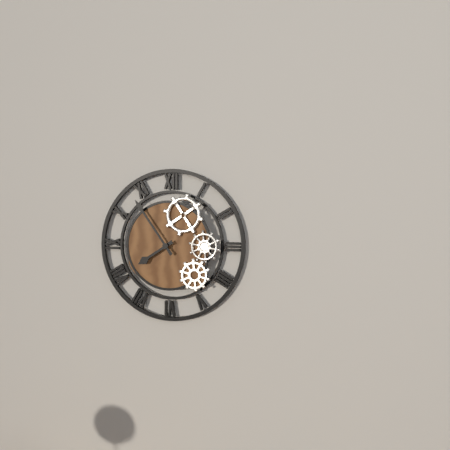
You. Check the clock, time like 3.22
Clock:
7.54
